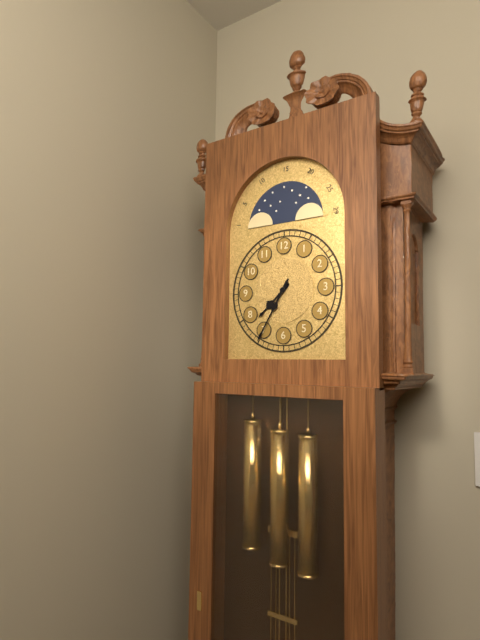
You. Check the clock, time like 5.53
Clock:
7.35
